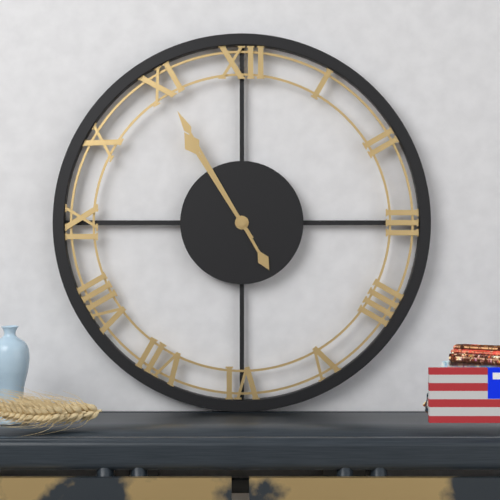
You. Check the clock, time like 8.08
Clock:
10.55
